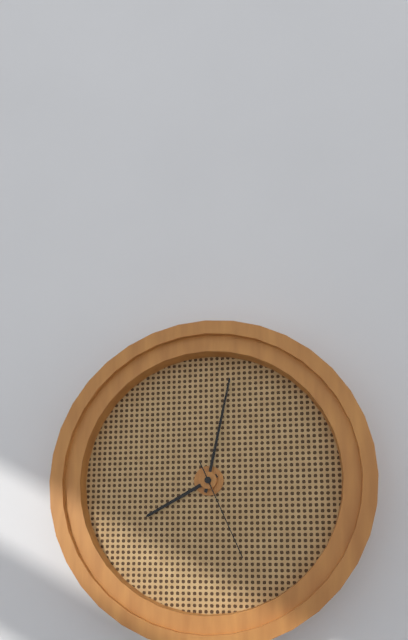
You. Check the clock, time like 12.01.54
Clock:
8.02.26
